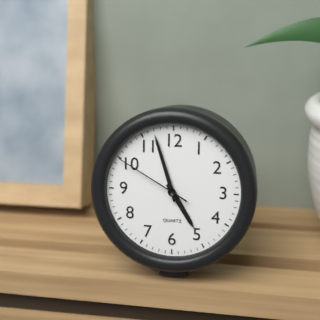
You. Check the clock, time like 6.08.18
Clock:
4.57.50
